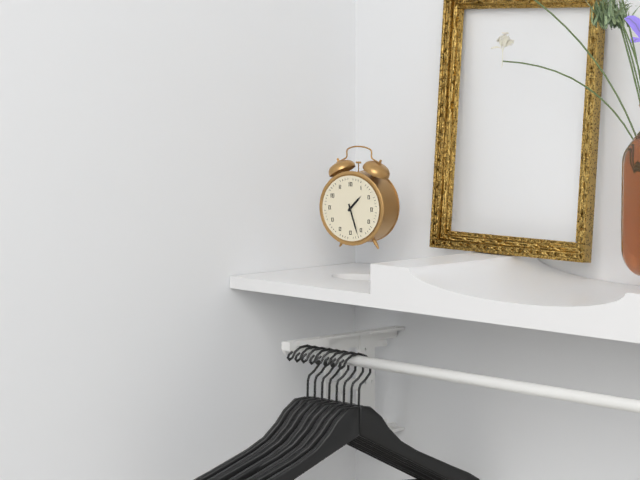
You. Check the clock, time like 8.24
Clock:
1.27
